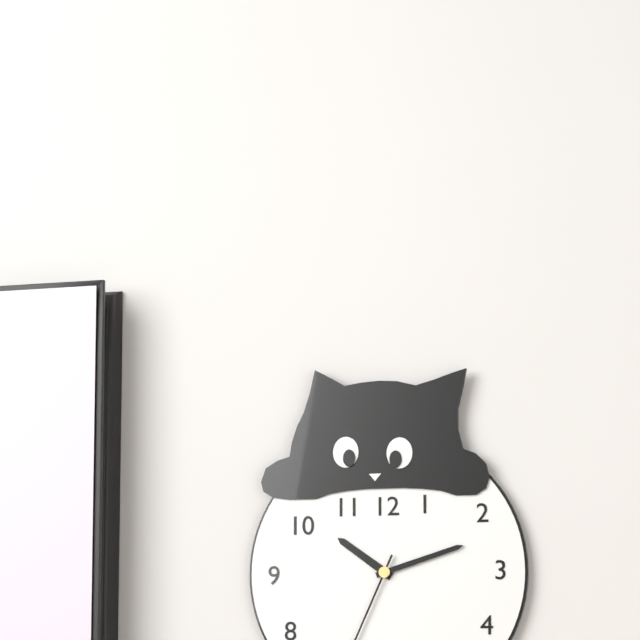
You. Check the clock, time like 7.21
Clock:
10.12
